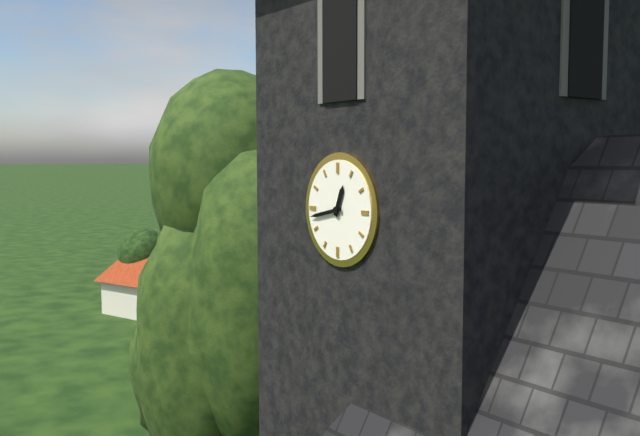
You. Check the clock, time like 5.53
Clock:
12.43
